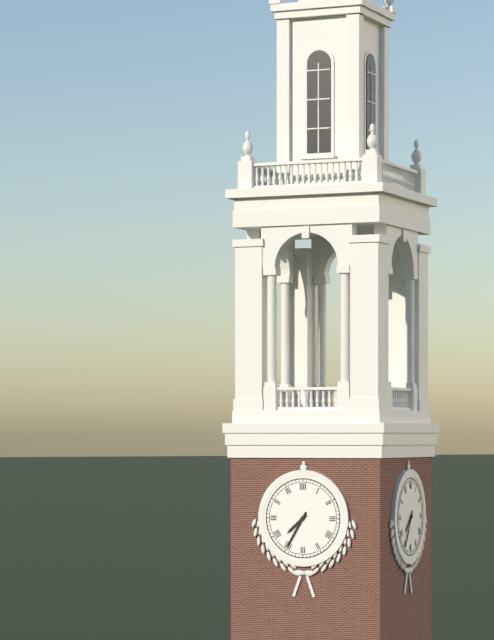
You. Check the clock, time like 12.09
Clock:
7.35
